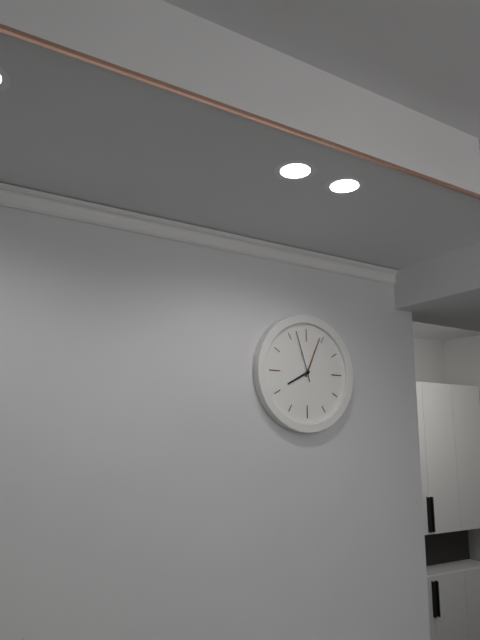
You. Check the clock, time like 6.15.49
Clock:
8.04.57
